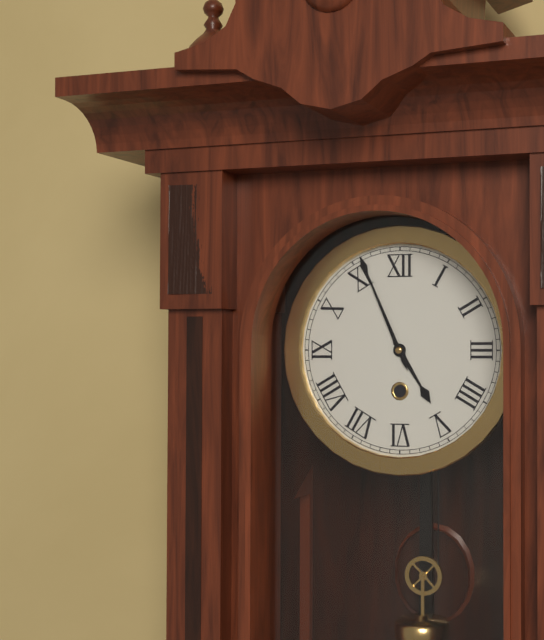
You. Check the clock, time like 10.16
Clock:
4.56
